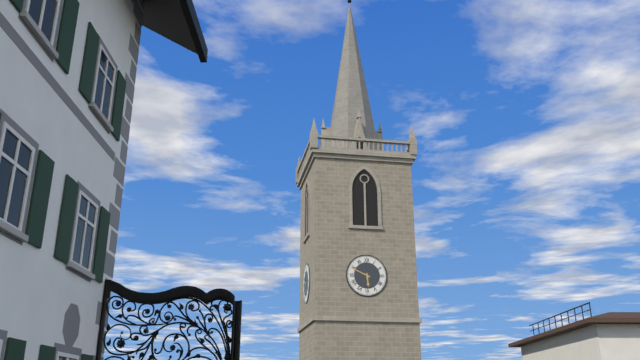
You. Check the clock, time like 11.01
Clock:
5.49
